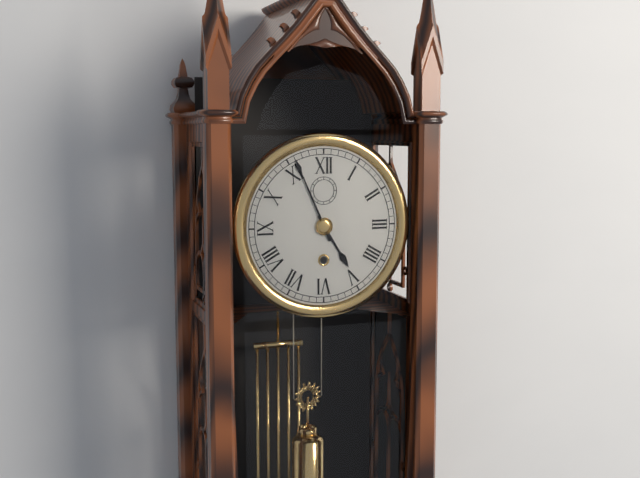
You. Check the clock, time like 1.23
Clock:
4.56
